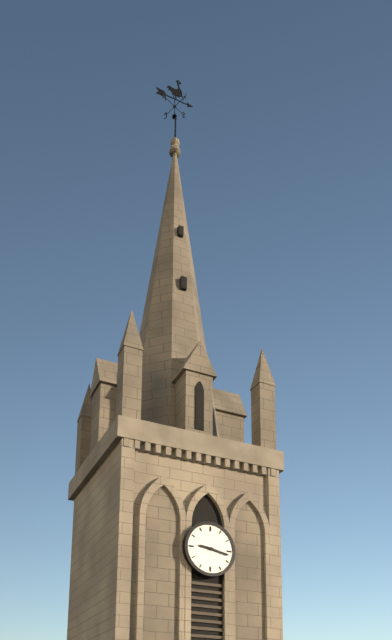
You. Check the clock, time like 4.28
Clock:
9.17
